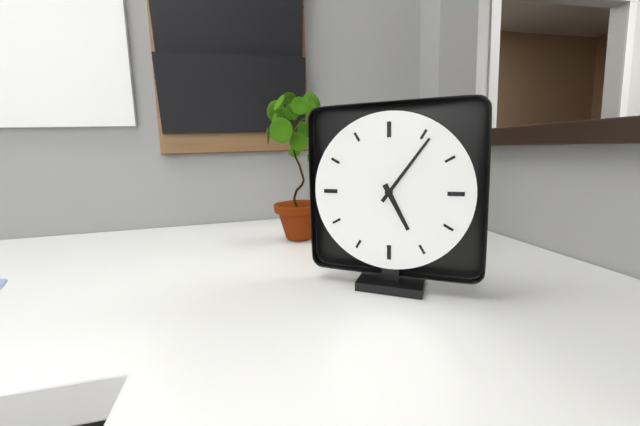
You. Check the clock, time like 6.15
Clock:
5.06
